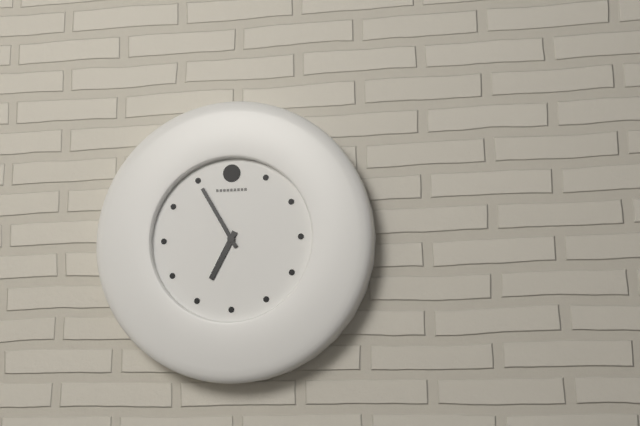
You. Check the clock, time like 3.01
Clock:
6.55
